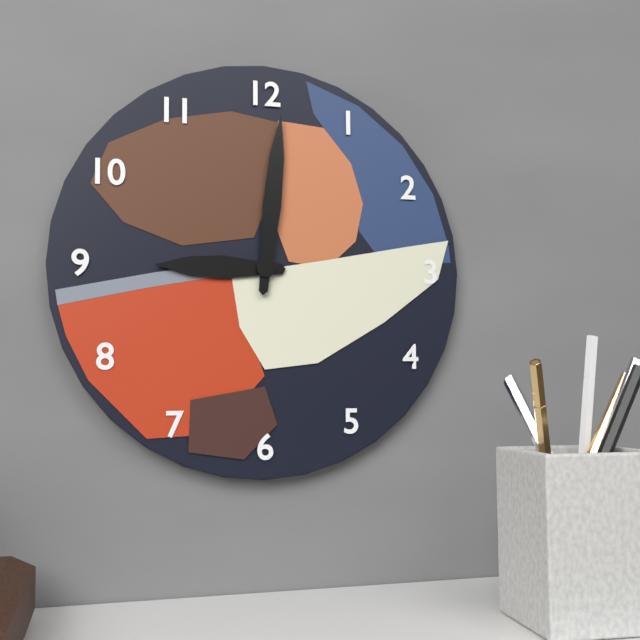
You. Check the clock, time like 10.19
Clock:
9.01
